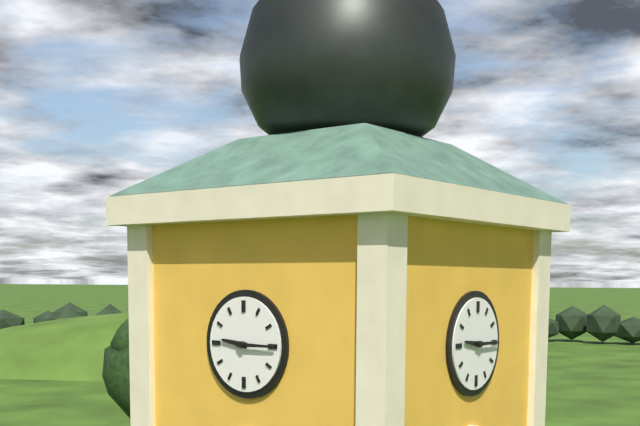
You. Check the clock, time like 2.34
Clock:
9.15
